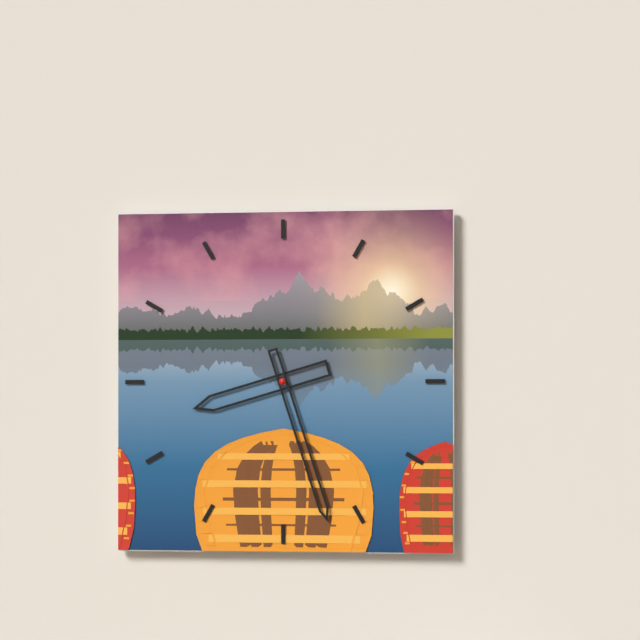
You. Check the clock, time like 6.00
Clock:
8.27
